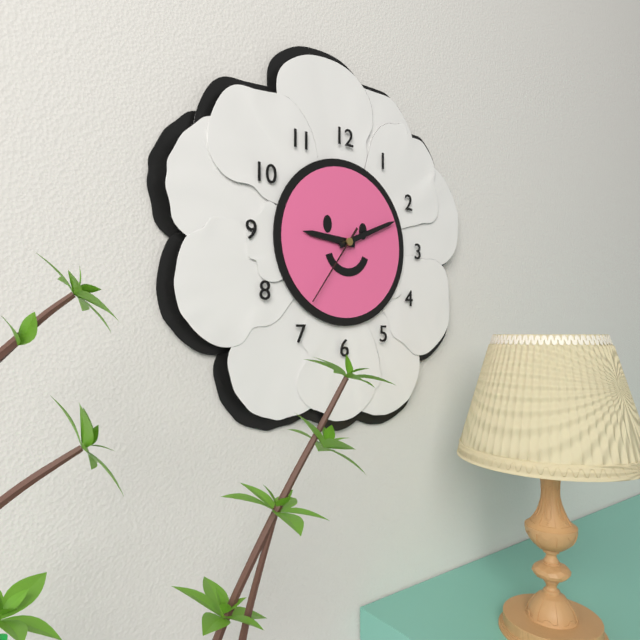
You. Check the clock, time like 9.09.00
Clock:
9.11.36
